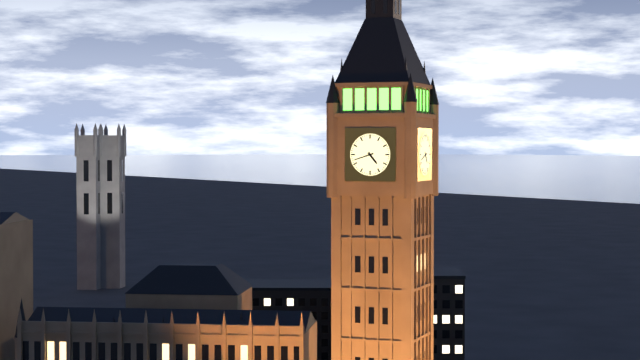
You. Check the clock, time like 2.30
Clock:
4.42
